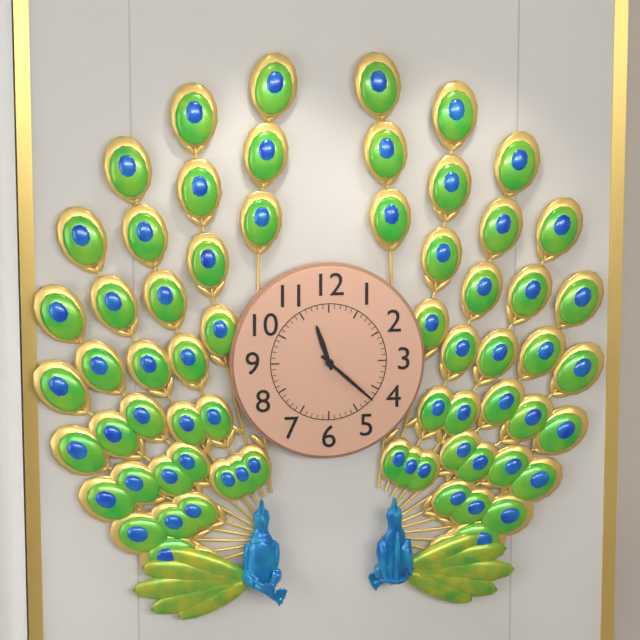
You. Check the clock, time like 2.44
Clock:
11.22
